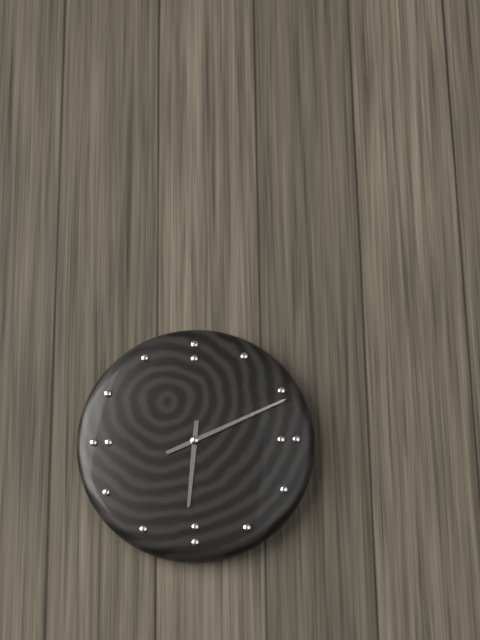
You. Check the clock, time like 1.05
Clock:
6.11
